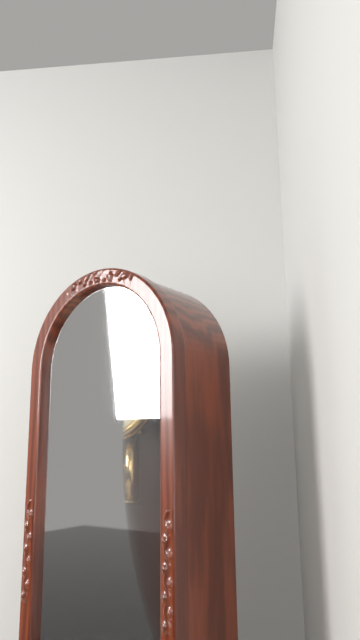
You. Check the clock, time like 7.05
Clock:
9.49
